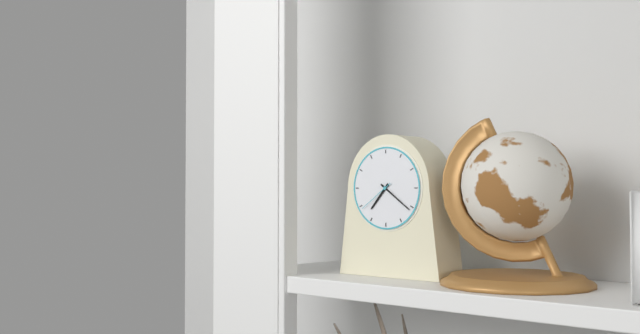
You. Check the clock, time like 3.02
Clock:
7.21
